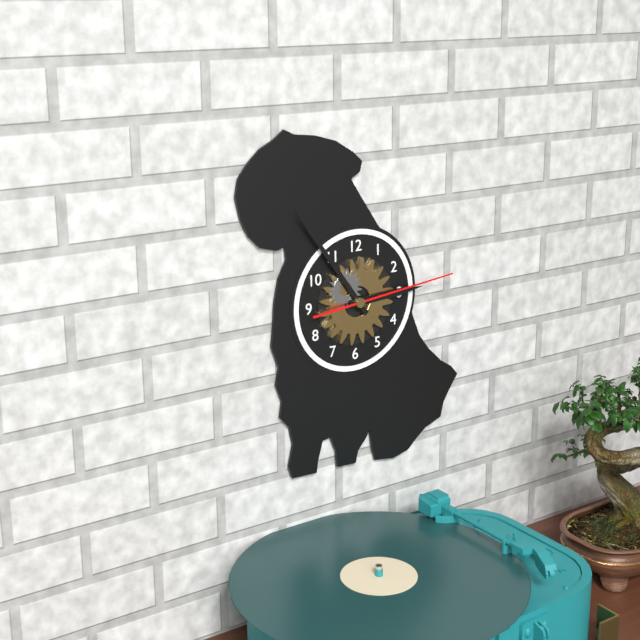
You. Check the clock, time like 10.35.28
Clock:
2.54.14
